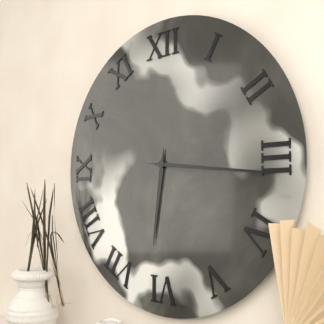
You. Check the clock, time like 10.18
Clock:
6.16
